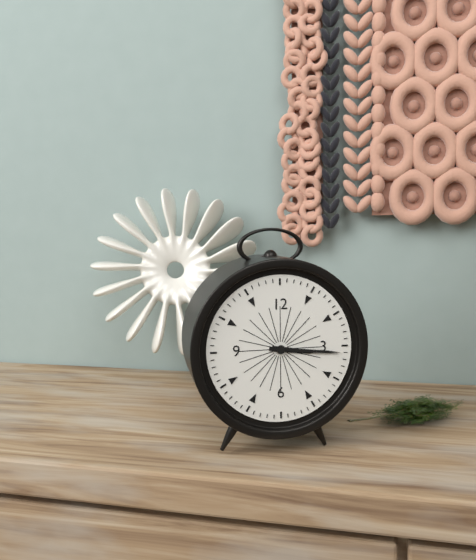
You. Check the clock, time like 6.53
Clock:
3.16
